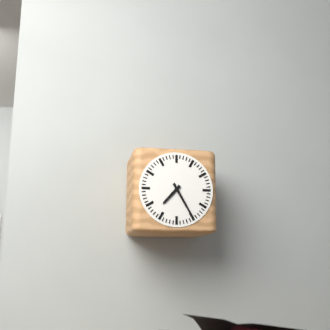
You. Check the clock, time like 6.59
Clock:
7.25
